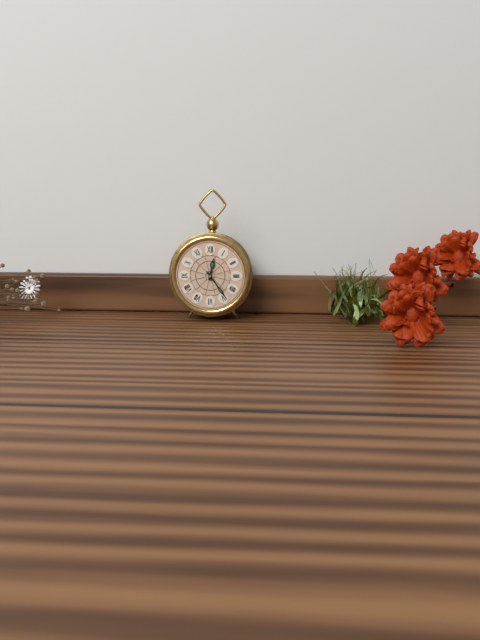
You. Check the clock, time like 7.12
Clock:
12.24
